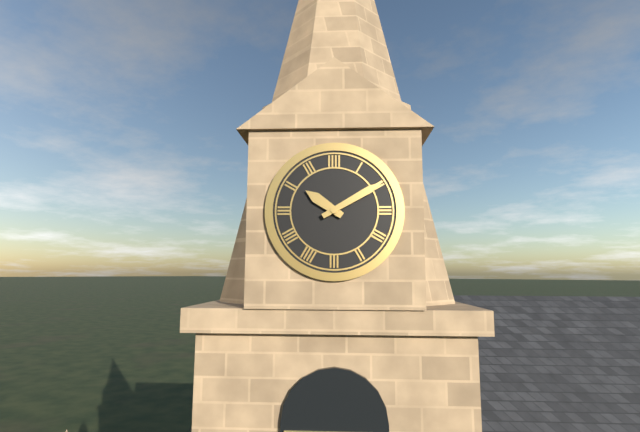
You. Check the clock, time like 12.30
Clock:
10.10
